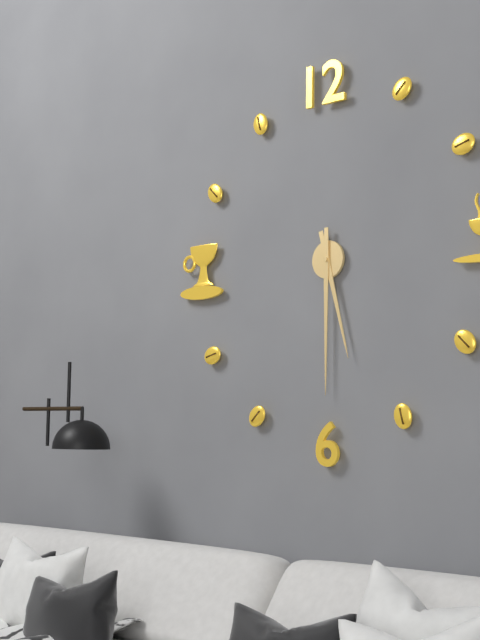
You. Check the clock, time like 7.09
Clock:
5.30
